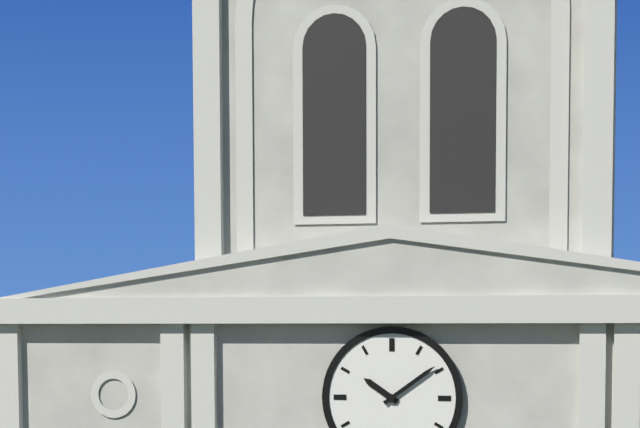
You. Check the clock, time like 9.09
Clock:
10.09
